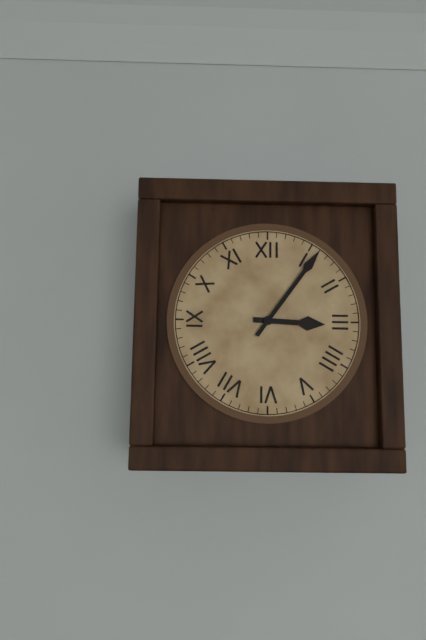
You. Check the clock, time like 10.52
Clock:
3.06
